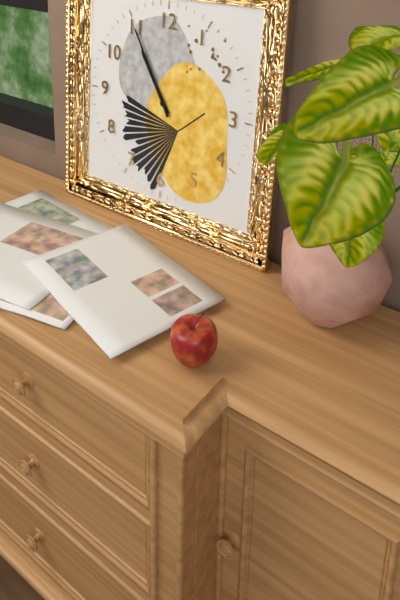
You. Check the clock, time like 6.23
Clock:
10.55
